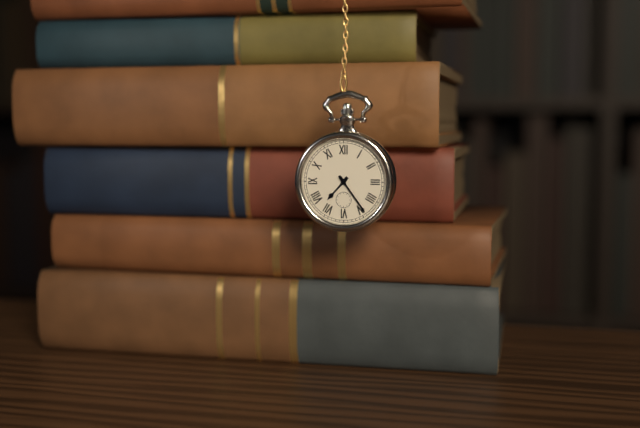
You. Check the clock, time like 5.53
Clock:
7.24
